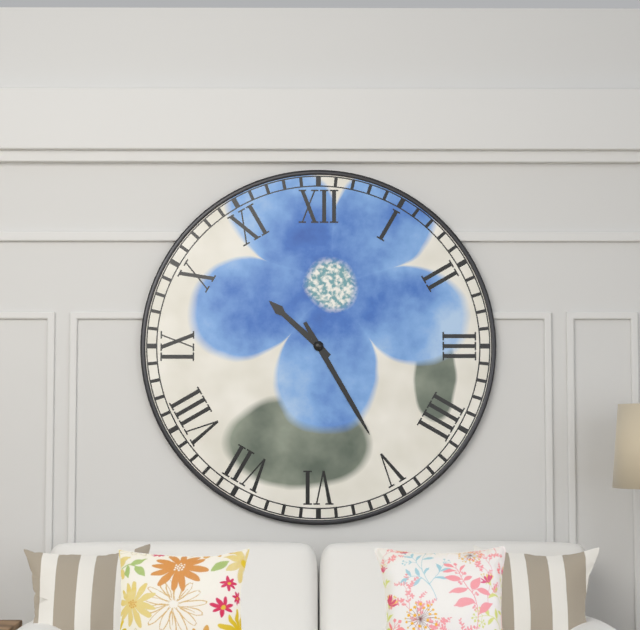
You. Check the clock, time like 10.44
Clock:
10.25
